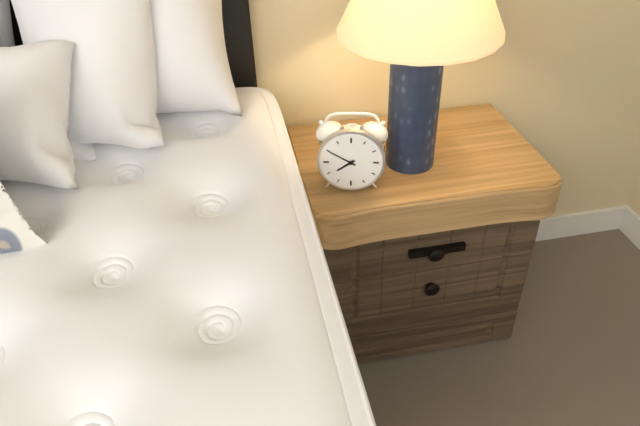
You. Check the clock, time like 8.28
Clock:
7.50
